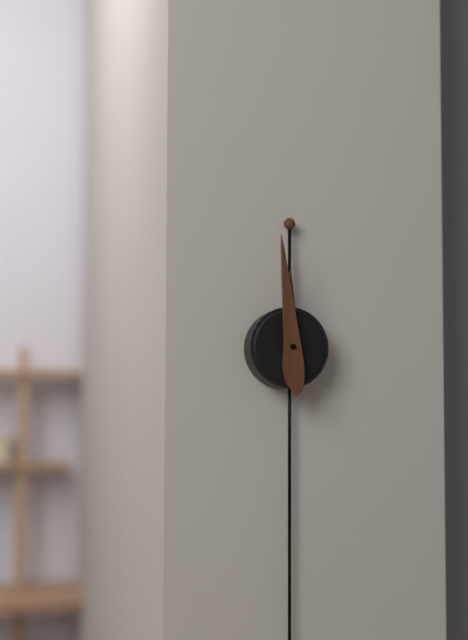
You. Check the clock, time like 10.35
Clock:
11.59
